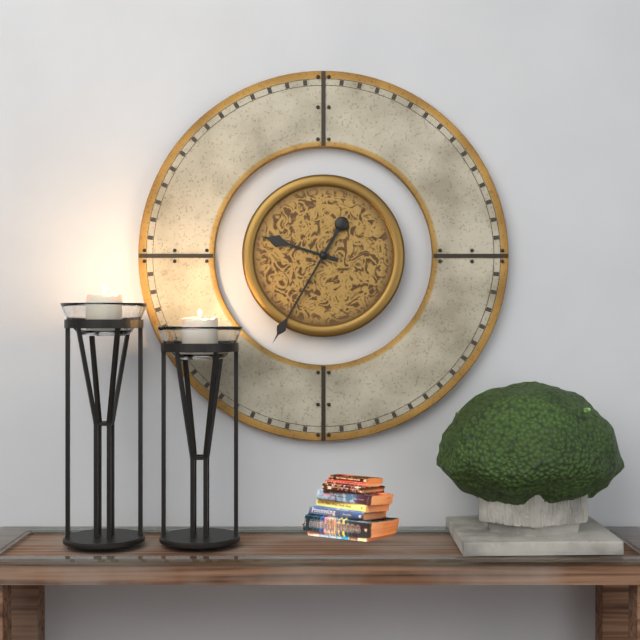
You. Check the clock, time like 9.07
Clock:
9.35
